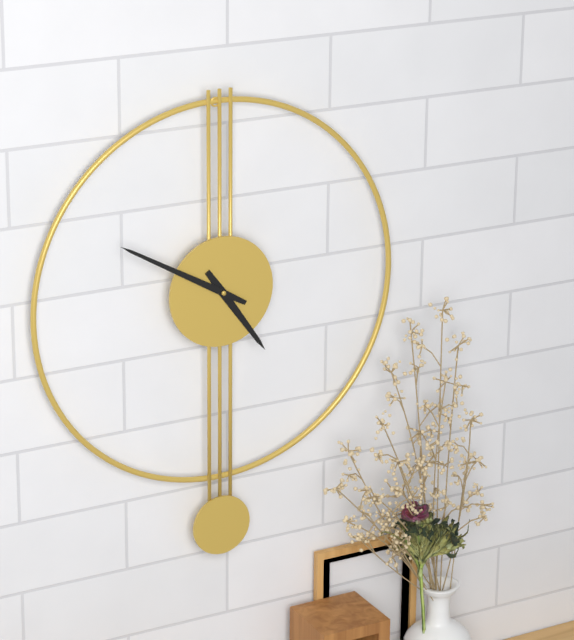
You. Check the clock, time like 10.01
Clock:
4.50
